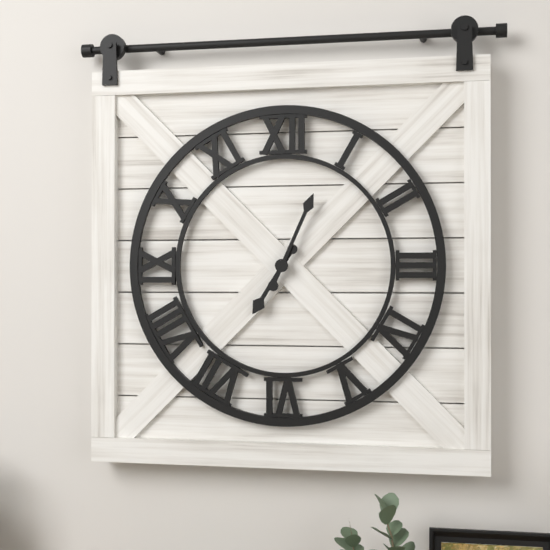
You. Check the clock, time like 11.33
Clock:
7.04
